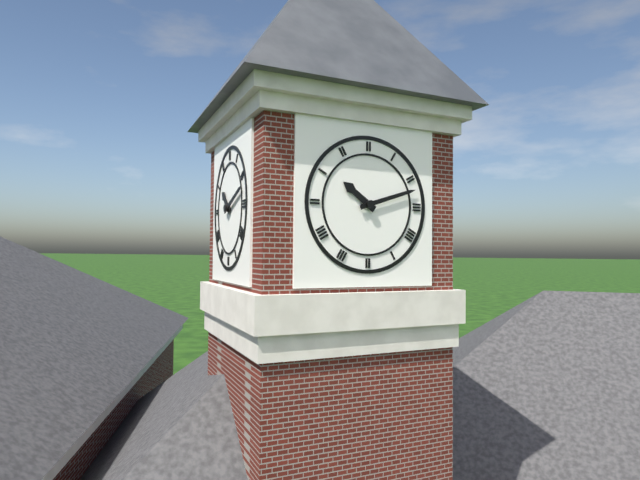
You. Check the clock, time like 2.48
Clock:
10.12
